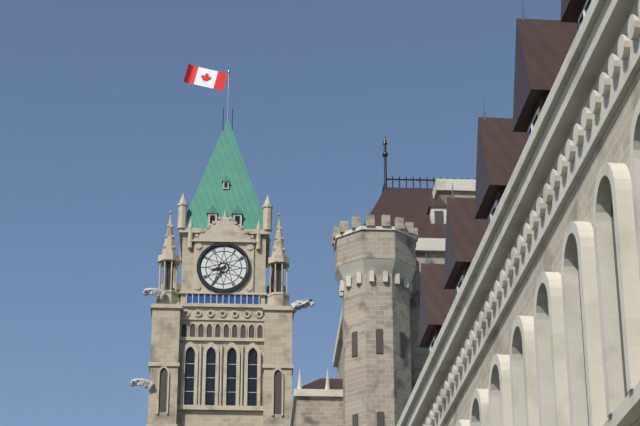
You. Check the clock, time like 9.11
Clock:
8.35
